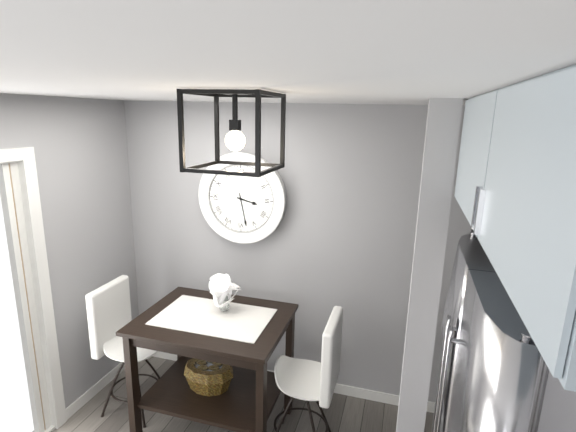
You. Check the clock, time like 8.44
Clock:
3.28
